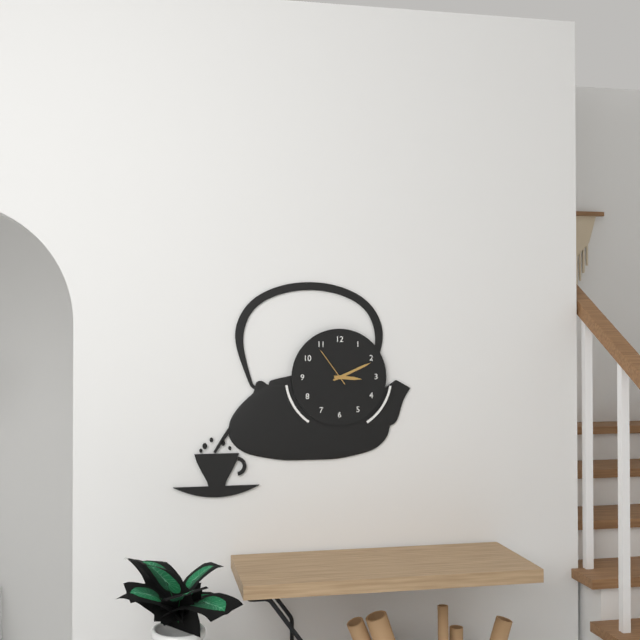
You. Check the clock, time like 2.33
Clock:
3.11
